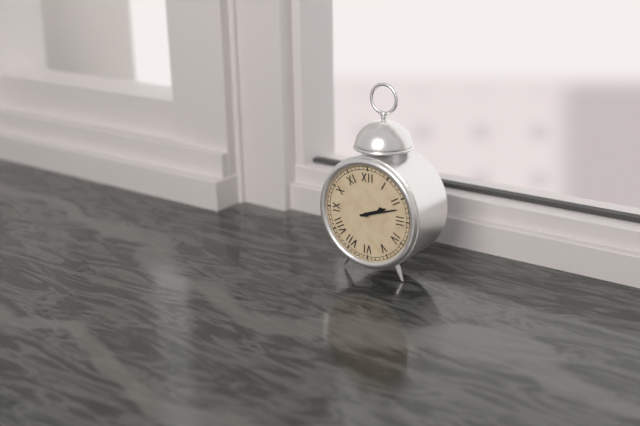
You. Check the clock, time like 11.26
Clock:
2.12
